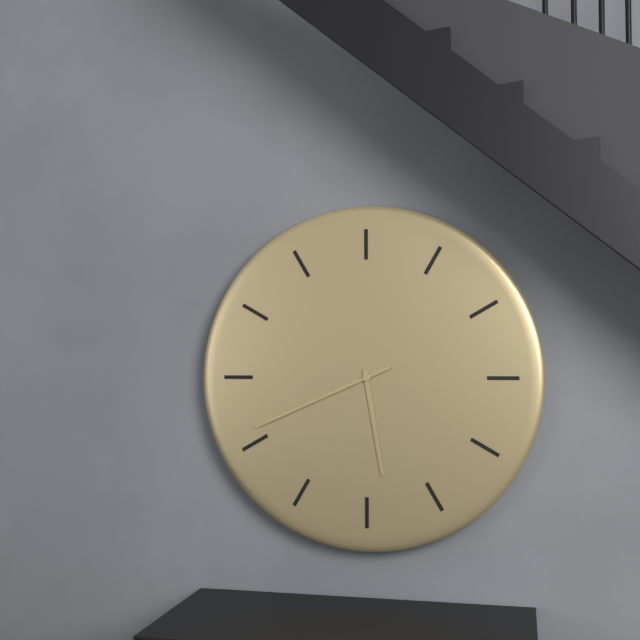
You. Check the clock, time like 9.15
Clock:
5.41
